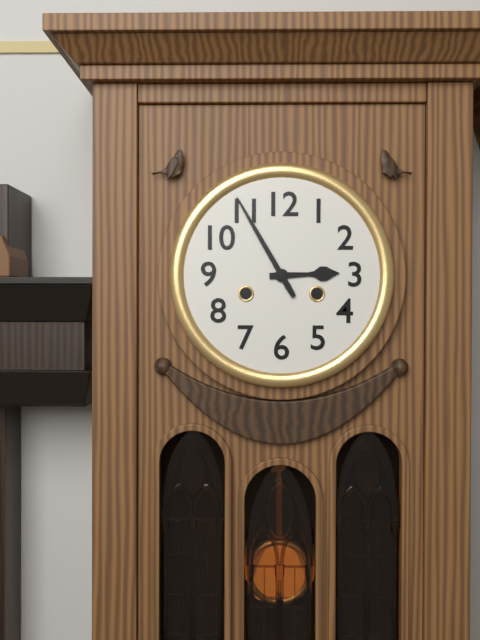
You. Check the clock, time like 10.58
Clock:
2.55
